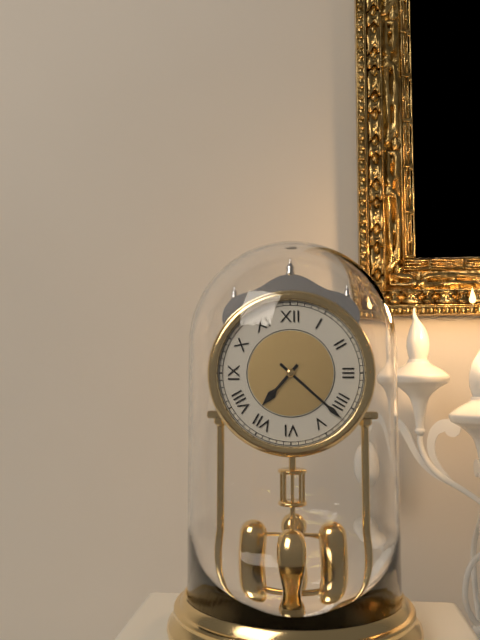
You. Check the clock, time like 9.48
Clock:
7.22
